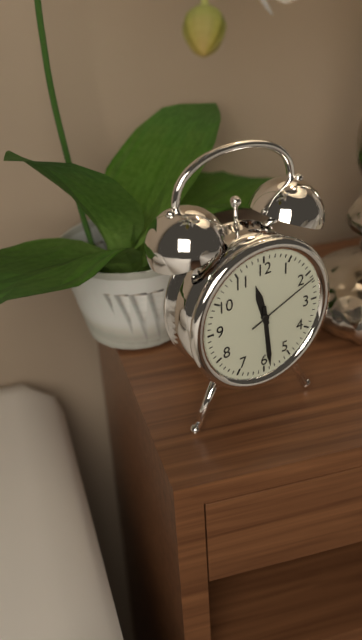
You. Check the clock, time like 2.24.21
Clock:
11.29.11
